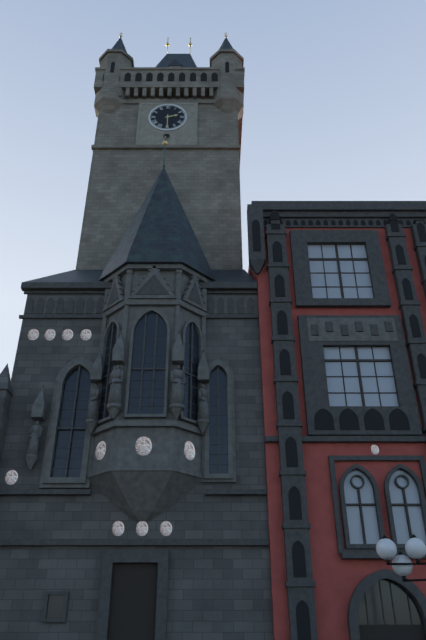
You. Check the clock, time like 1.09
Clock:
2.30
